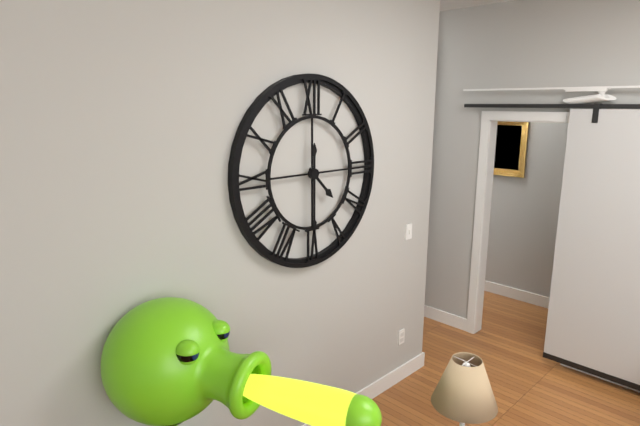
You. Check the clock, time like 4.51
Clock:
4.30
